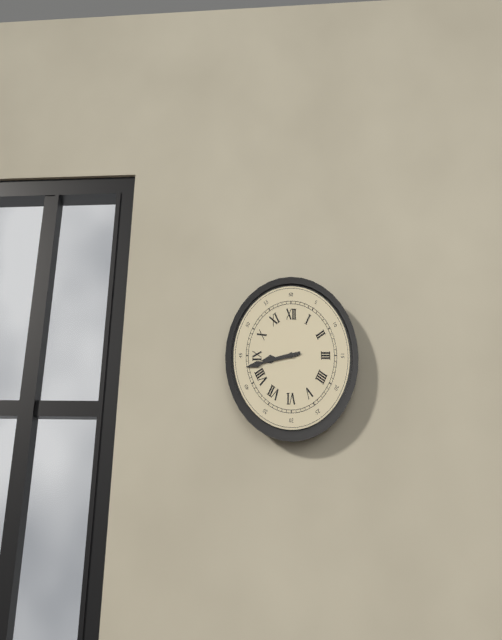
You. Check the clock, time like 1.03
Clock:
8.43
